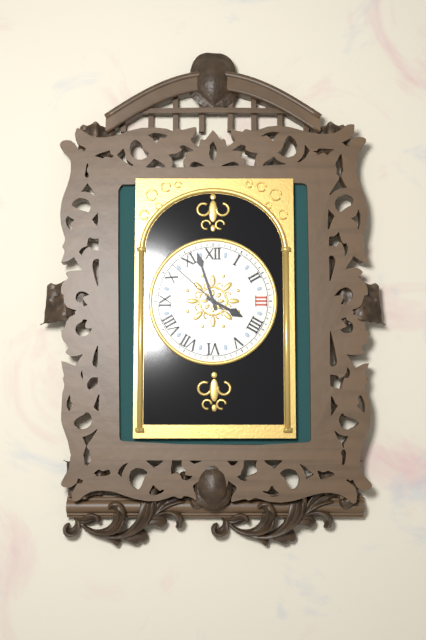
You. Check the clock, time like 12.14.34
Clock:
3.57.52
